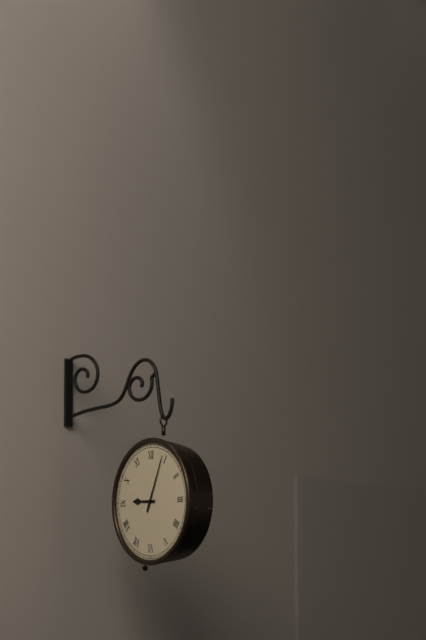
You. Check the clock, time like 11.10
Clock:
9.04
